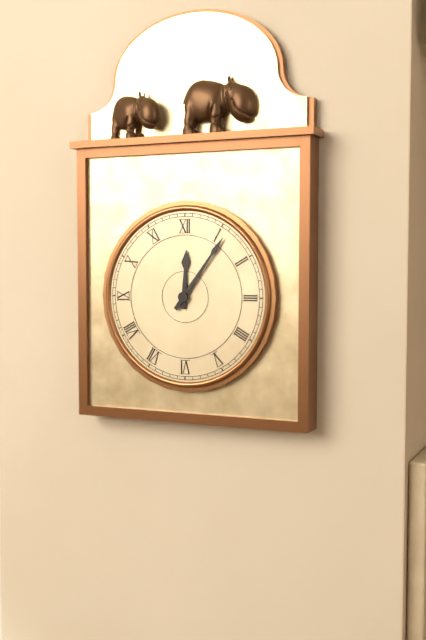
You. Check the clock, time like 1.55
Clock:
12.06
